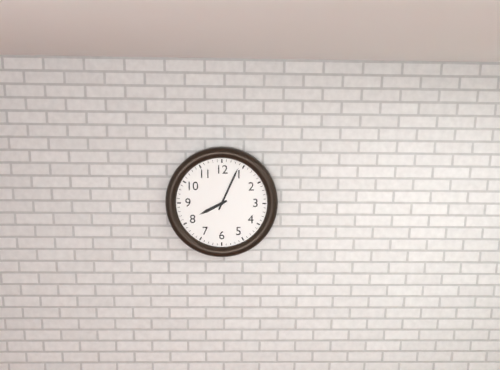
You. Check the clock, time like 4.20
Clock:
8.04
